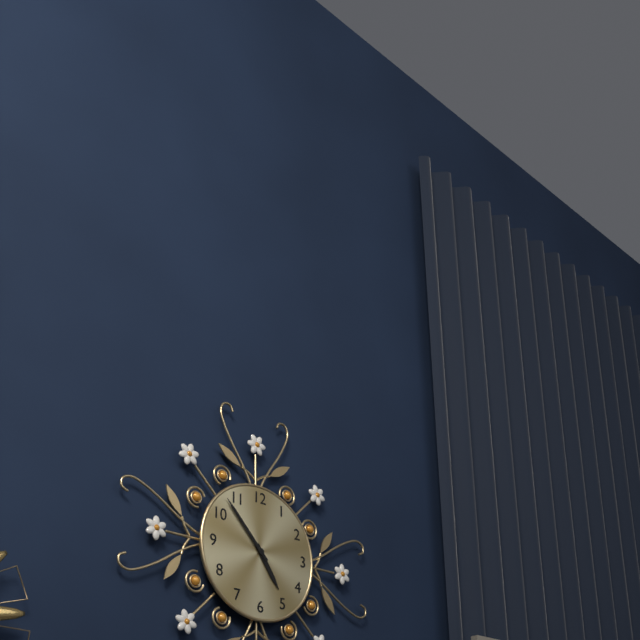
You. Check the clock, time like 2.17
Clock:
4.53
